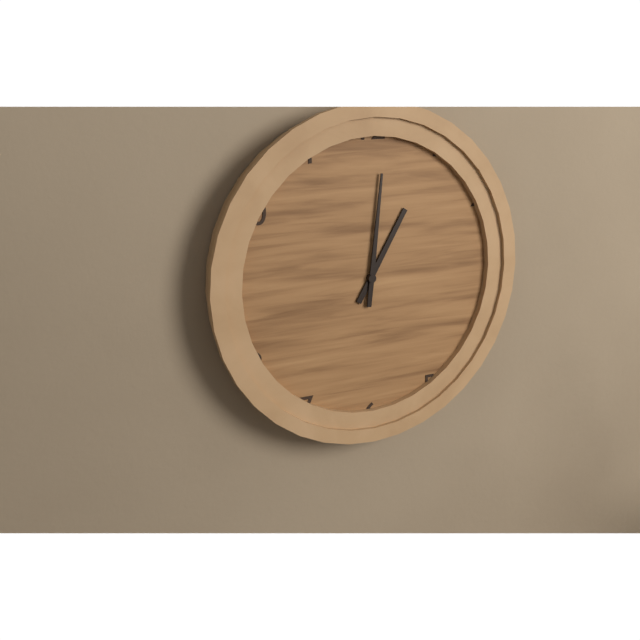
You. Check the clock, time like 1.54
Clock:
1.01
